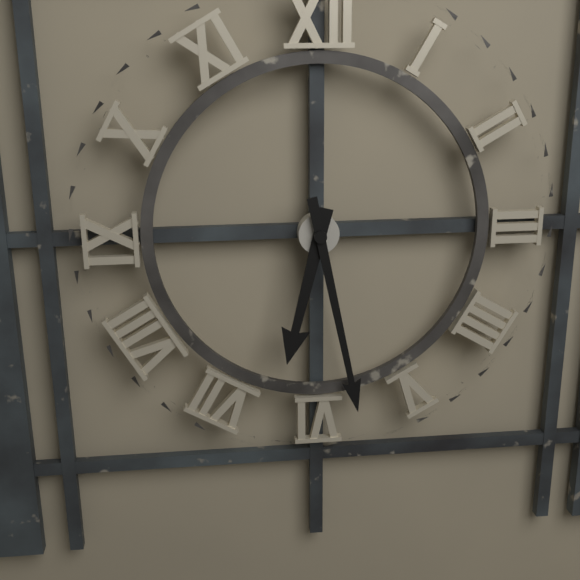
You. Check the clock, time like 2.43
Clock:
6.28
